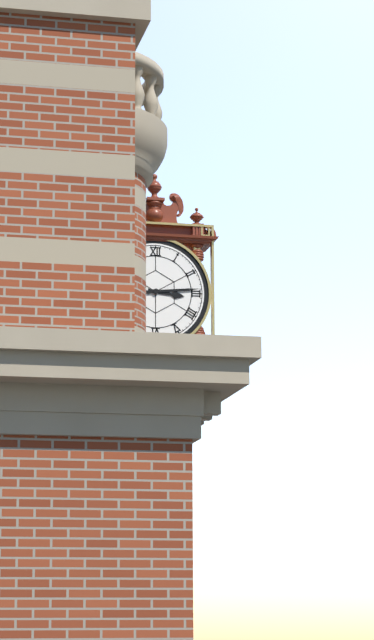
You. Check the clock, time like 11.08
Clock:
3.14
